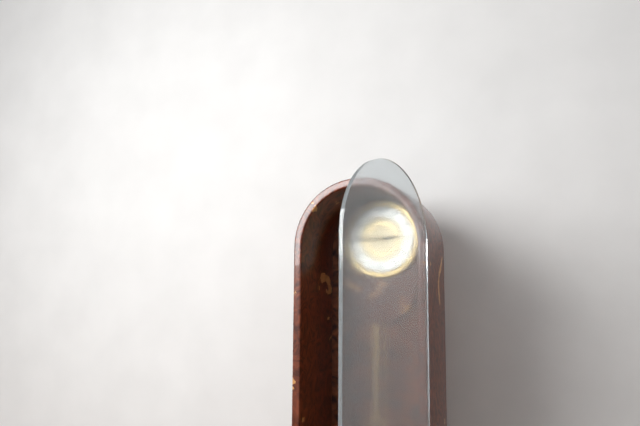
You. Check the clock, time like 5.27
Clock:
2.45
